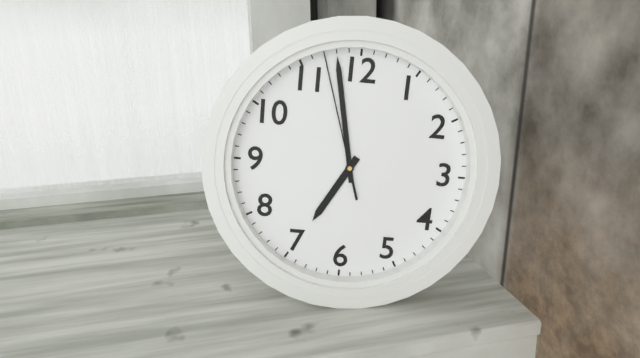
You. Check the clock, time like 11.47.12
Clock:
6.58.57
